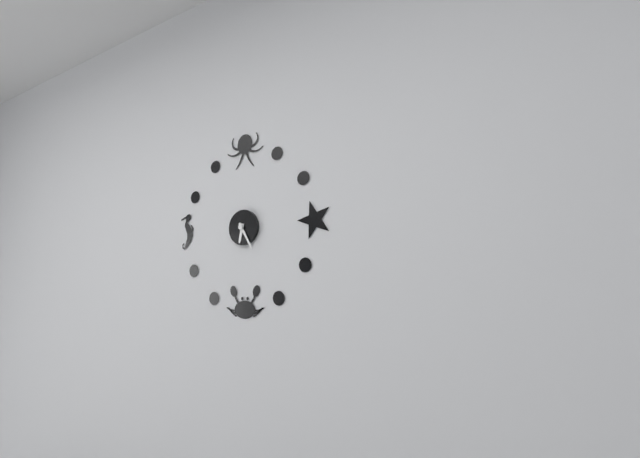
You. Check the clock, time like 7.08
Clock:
6.25
